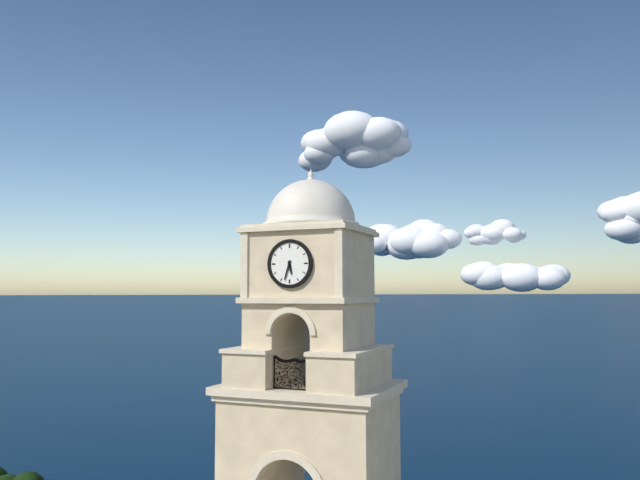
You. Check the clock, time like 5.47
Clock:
5.33
